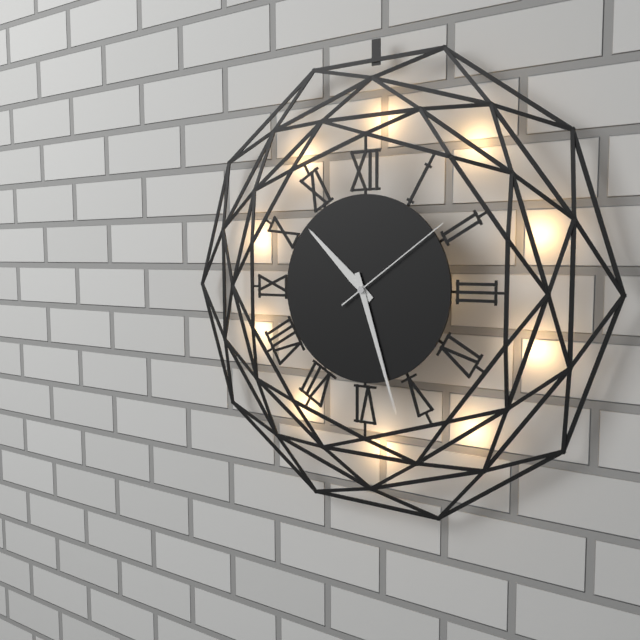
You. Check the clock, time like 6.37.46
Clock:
10.27.09
